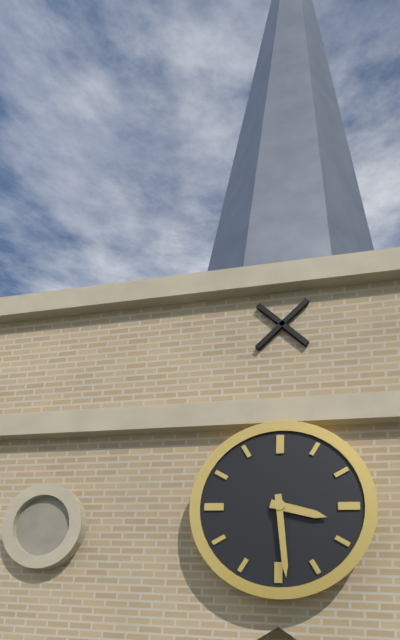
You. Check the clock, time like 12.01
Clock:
3.29
